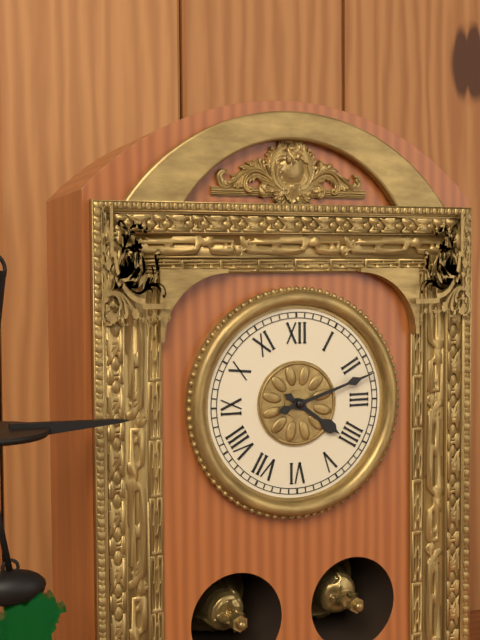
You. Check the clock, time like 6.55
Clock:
4.12
